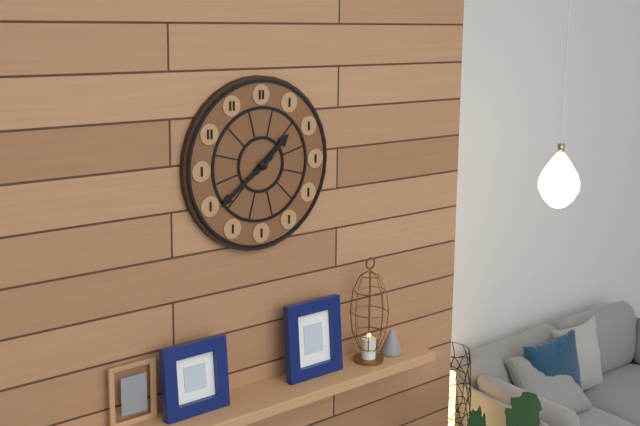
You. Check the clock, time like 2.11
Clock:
1.39
